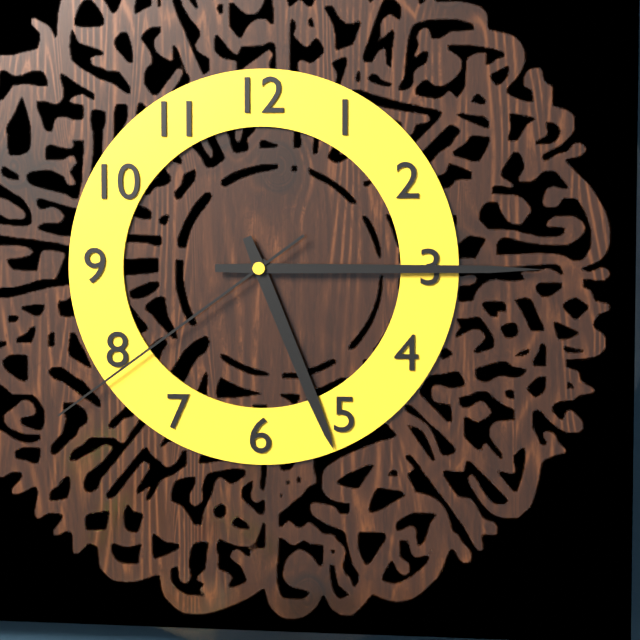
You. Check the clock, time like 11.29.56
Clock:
5.15.39
